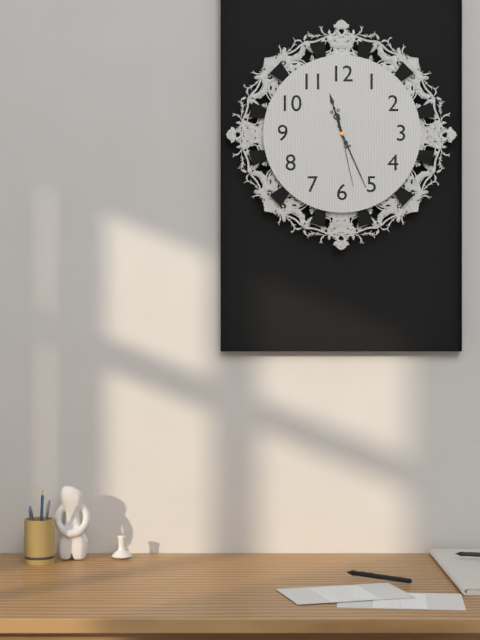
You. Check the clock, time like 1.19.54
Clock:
11.26.28
